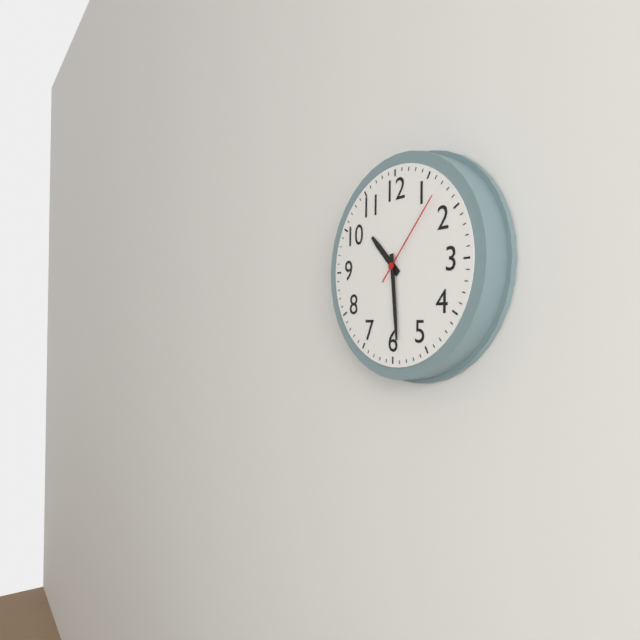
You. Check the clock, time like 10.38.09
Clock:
10.29.07
